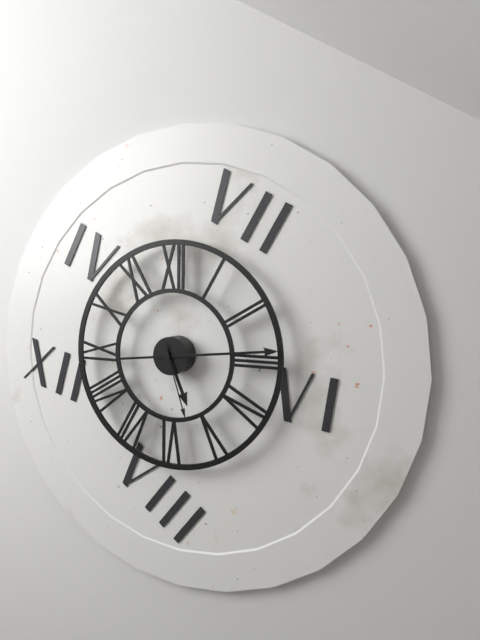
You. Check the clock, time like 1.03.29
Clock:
5.14.27
